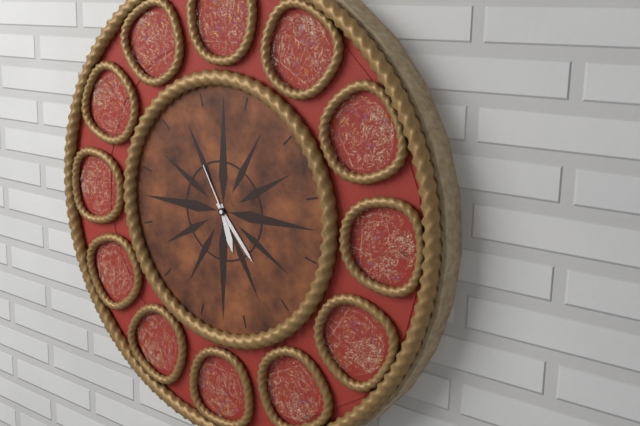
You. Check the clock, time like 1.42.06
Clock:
5.23.55
